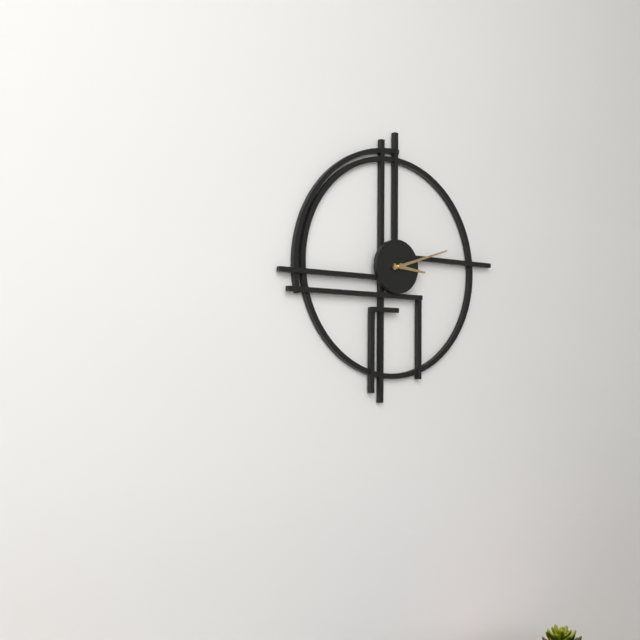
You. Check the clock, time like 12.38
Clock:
3.12
